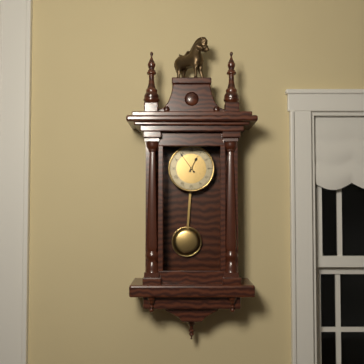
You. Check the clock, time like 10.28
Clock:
12.54
